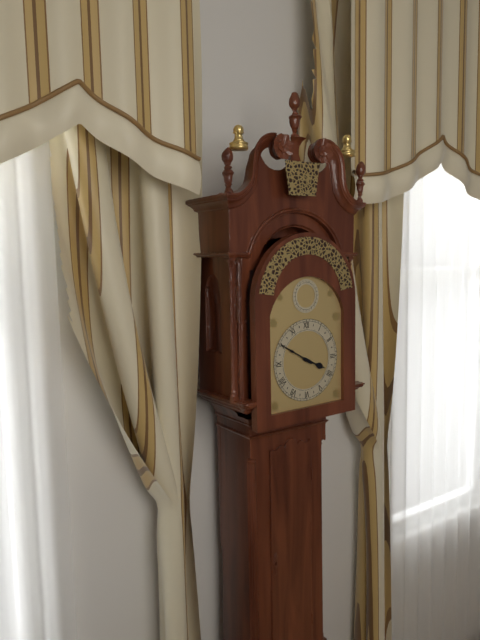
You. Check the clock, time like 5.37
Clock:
3.50
